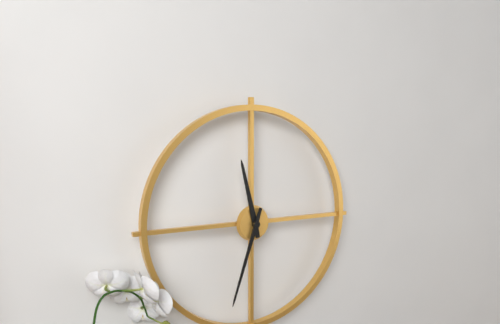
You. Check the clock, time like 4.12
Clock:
11.33
